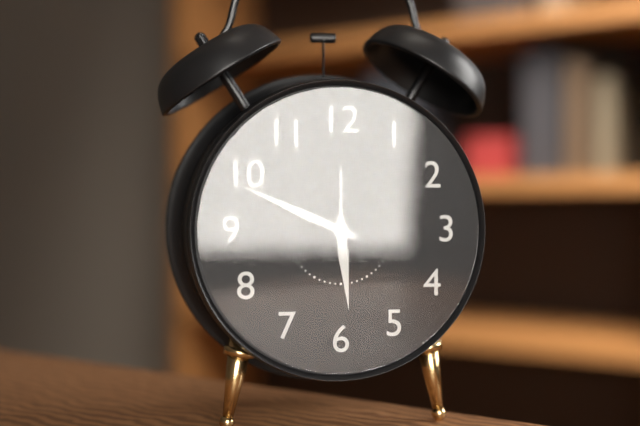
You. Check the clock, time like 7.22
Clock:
5.49
